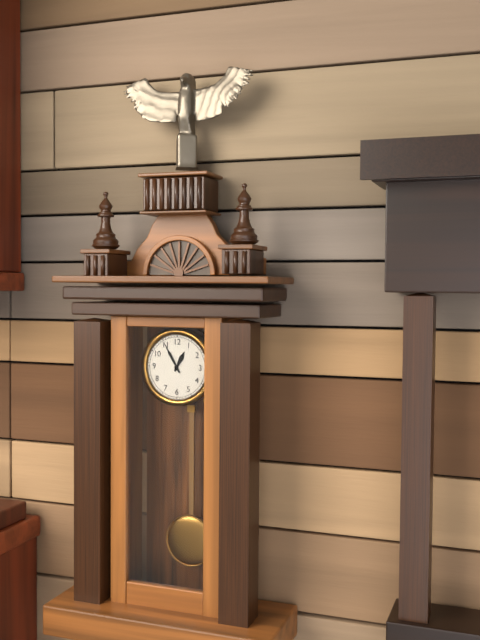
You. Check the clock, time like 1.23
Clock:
12.55
